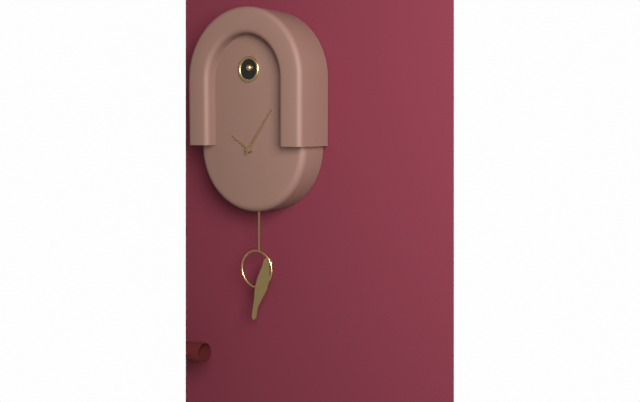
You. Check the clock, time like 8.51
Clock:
10.06
